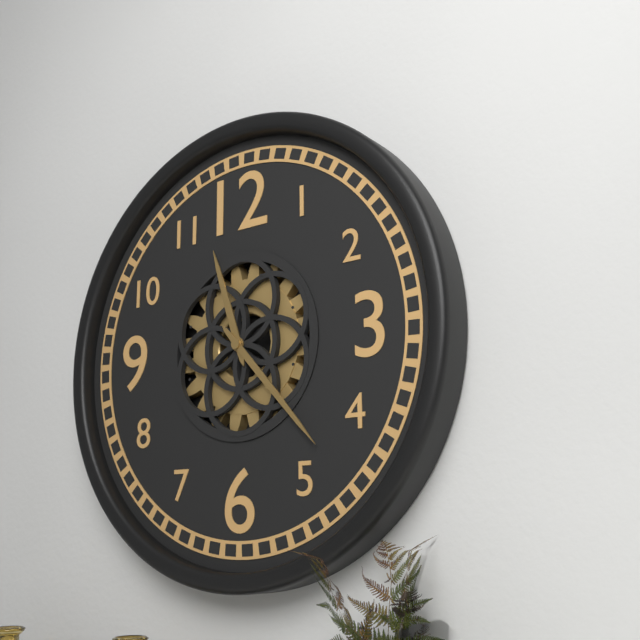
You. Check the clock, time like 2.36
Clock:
11.23
